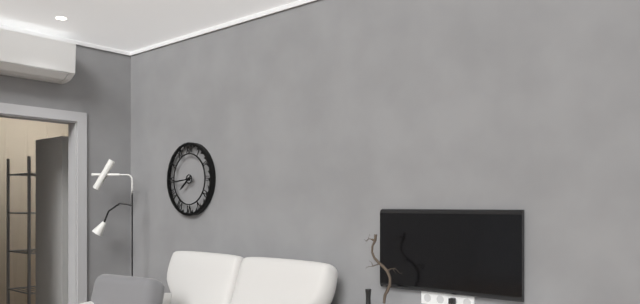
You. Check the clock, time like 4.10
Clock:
7.44
